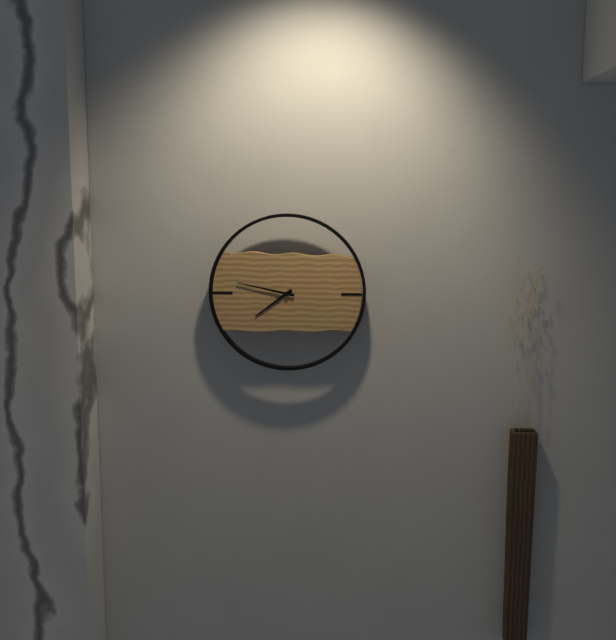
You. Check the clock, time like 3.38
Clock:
7.47
